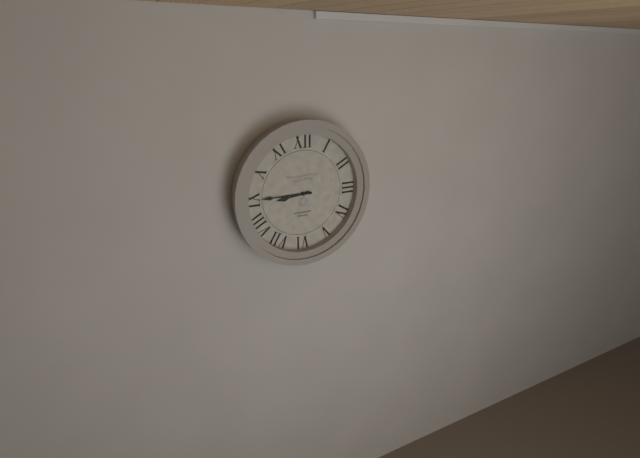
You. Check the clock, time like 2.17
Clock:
8.45
